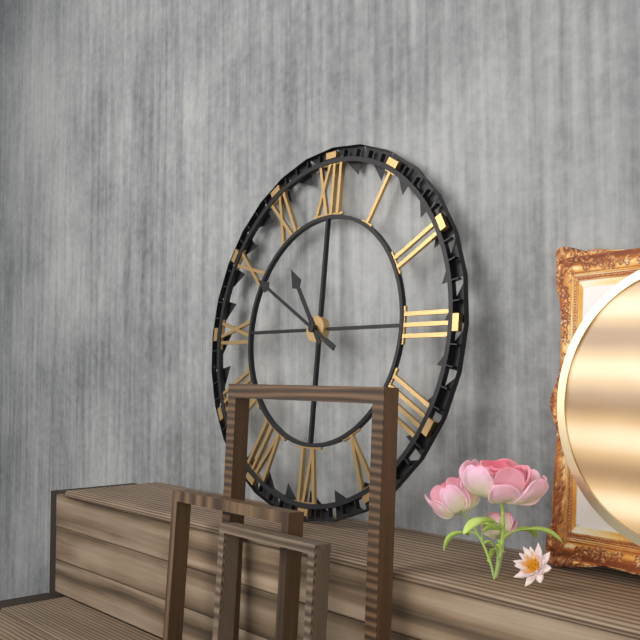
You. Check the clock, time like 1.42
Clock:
10.50
